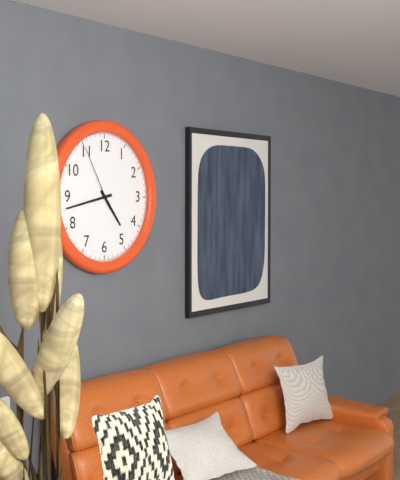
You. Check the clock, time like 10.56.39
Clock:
4.43.55
